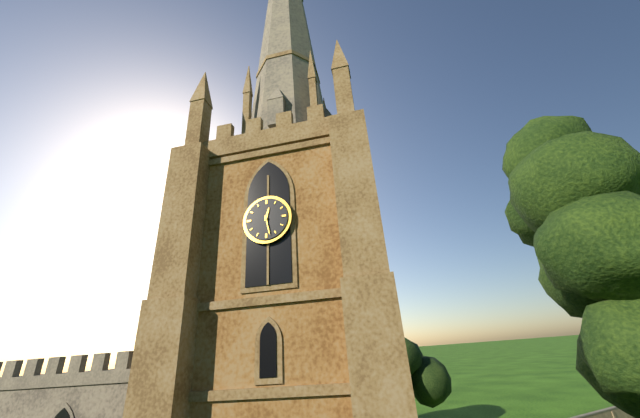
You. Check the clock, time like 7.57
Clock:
12.28
